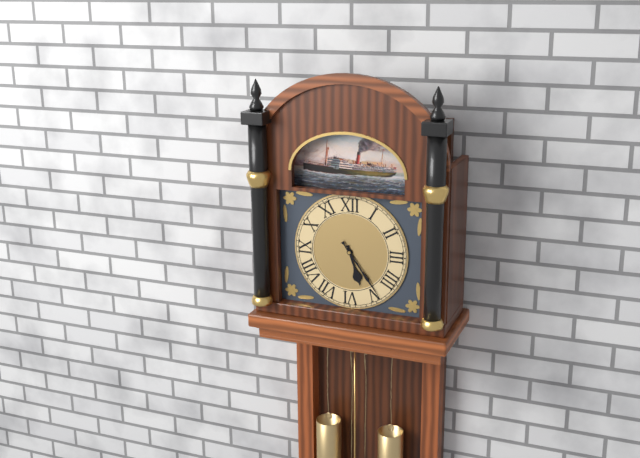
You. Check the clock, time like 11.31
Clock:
5.24
